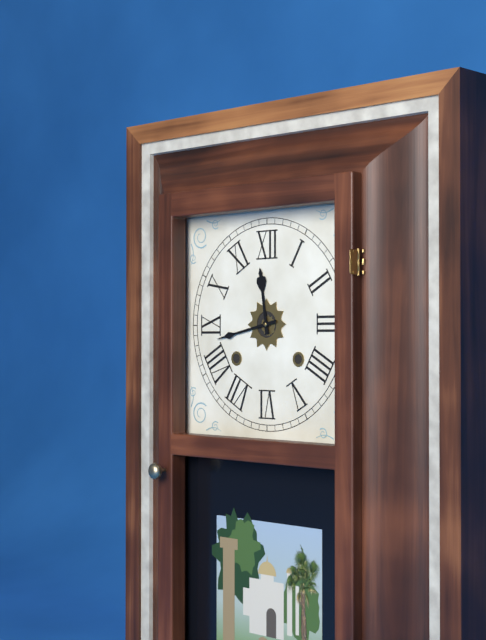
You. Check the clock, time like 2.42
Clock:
11.43
